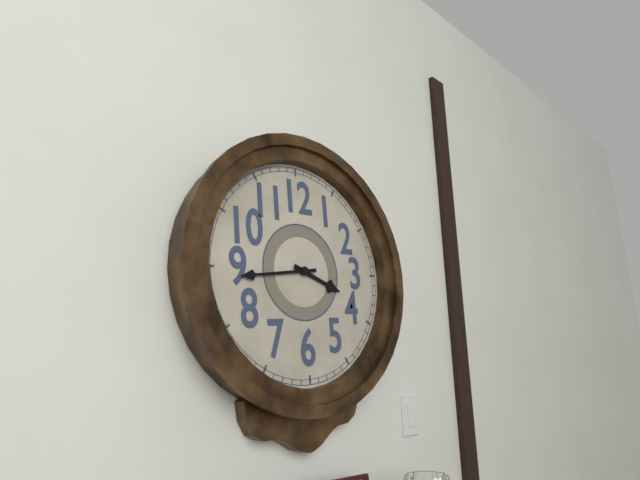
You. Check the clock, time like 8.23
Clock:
3.44
